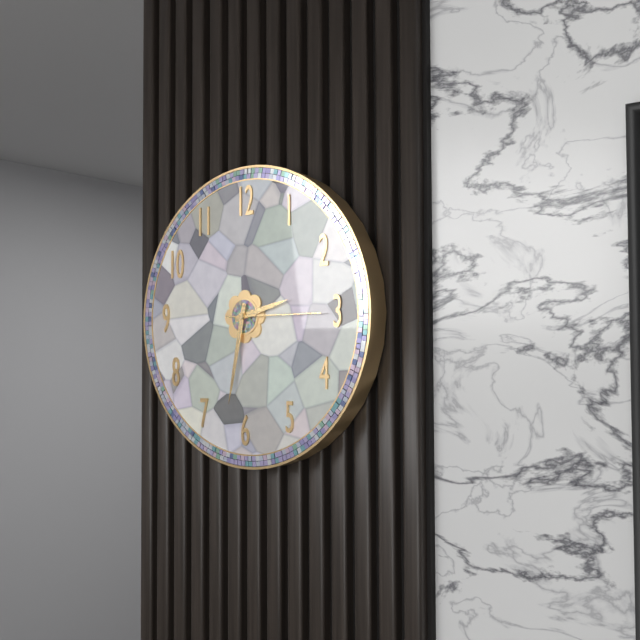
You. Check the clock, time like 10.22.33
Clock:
2.32.15
